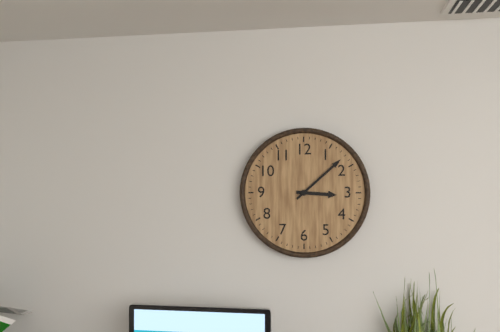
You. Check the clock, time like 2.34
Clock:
3.08
